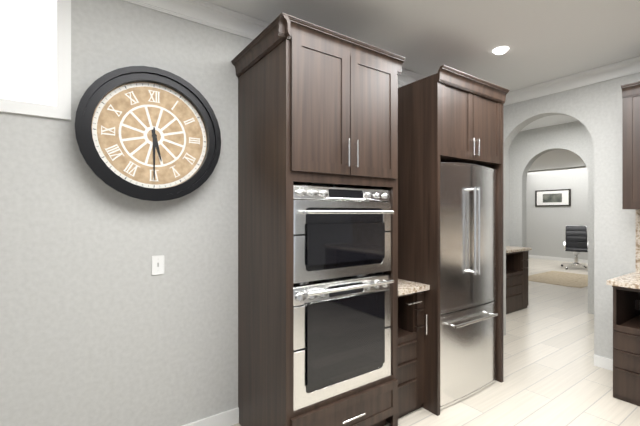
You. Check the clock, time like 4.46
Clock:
5.30
